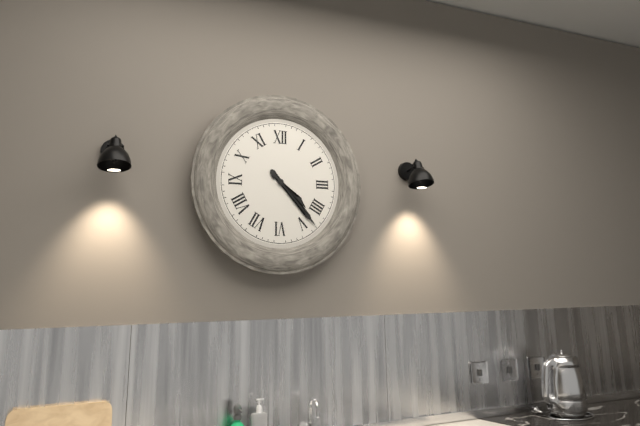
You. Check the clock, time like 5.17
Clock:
4.23
